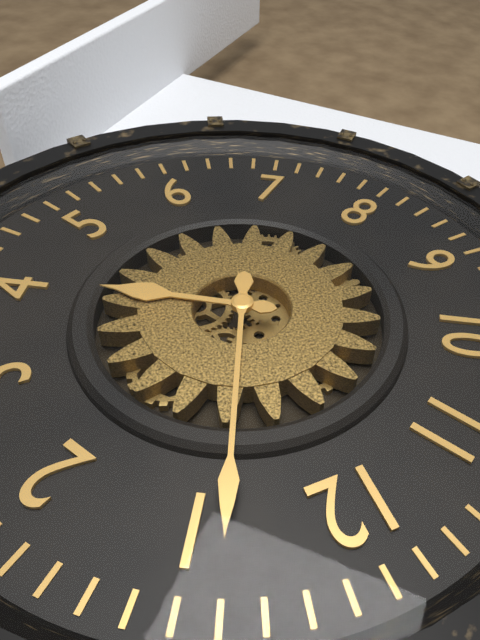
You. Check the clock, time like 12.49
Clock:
4.04
